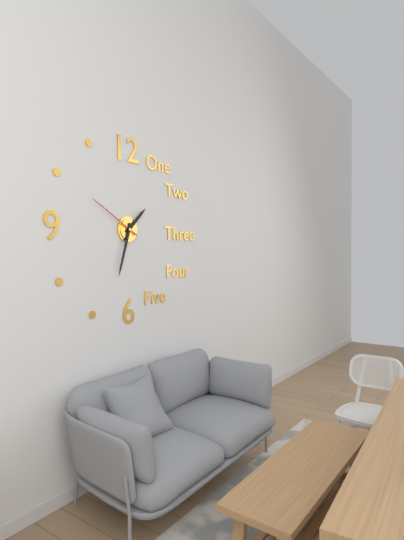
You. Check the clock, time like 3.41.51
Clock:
1.33.50
